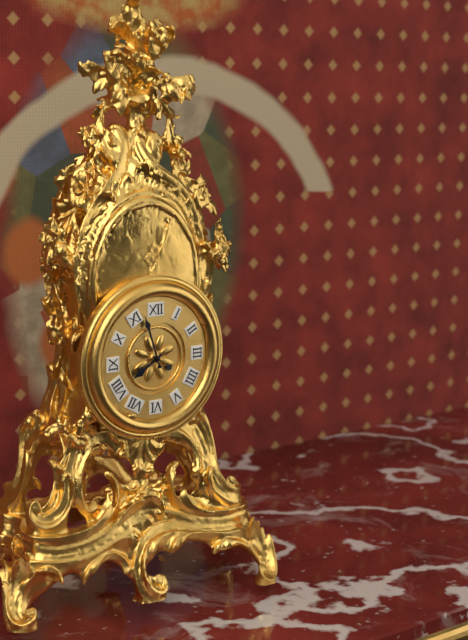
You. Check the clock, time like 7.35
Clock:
7.57
